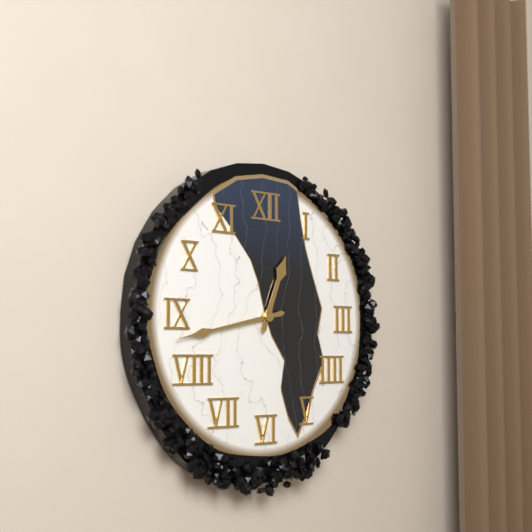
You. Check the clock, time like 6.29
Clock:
12.43
